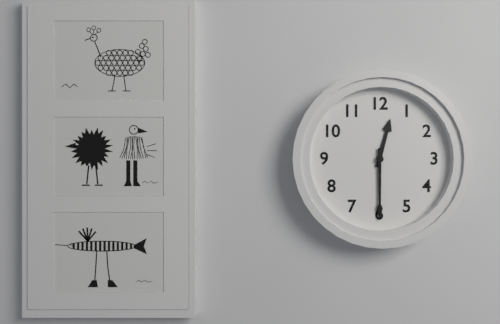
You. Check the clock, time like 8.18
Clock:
12.30
